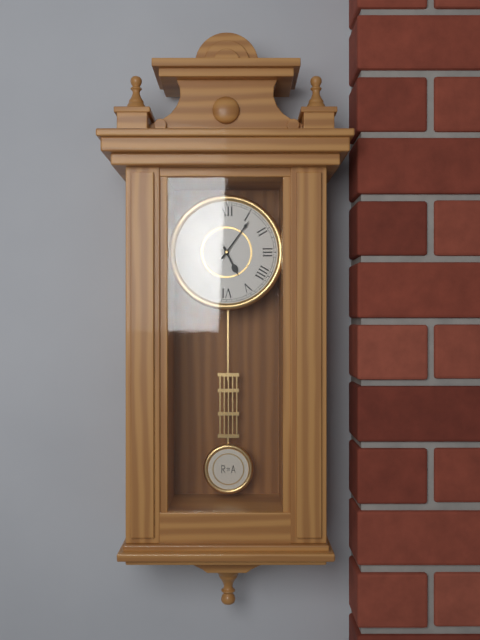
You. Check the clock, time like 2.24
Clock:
5.06
